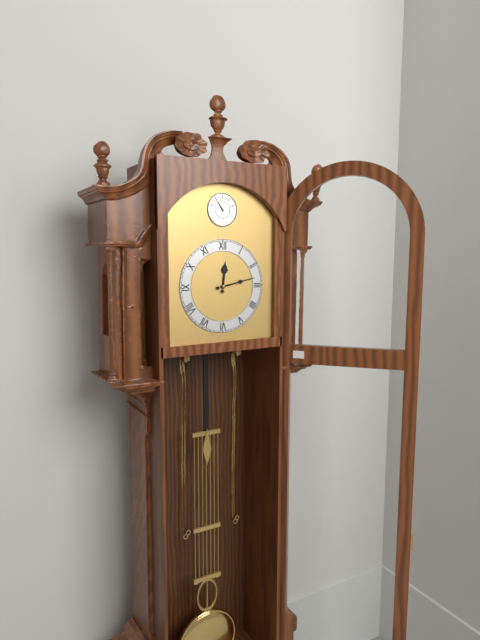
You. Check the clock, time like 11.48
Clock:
12.13
